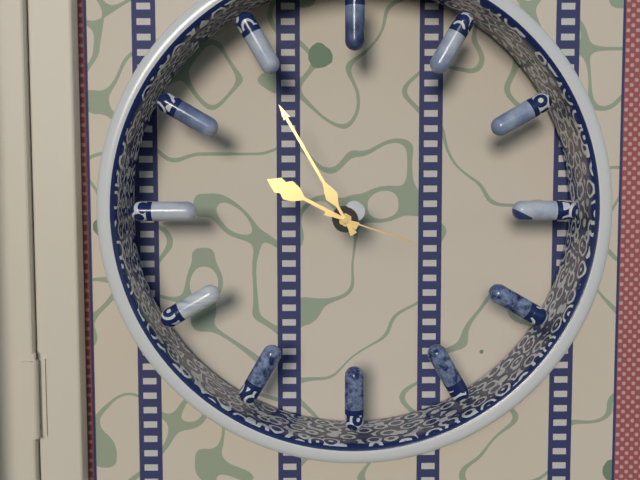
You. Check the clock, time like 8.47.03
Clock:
9.55.18
